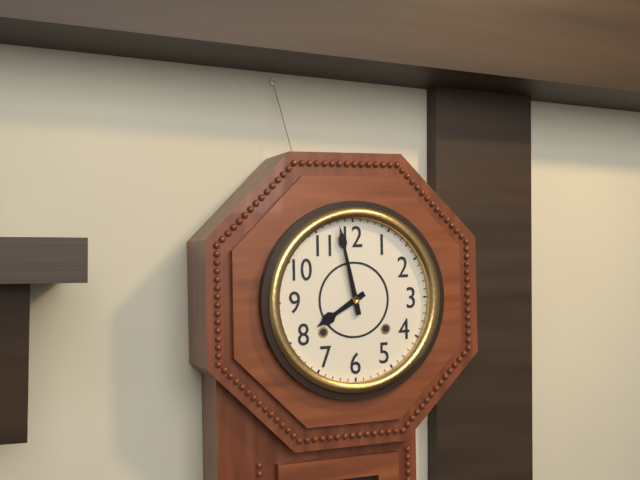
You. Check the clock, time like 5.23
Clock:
7.58
